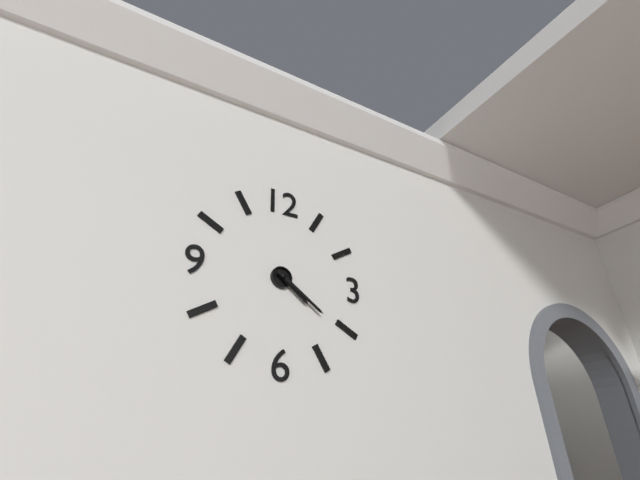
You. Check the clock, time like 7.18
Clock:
4.21
